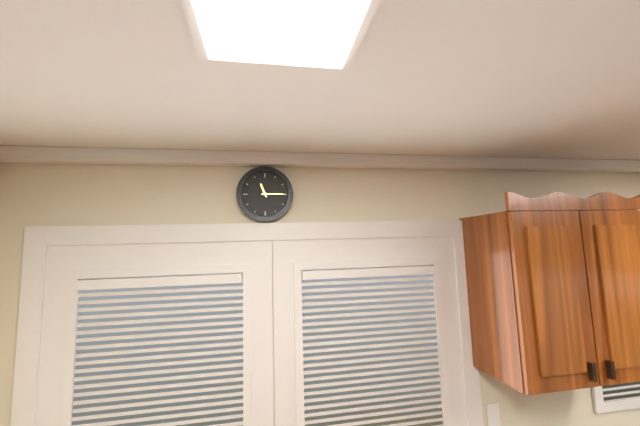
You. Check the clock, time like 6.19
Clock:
11.15
